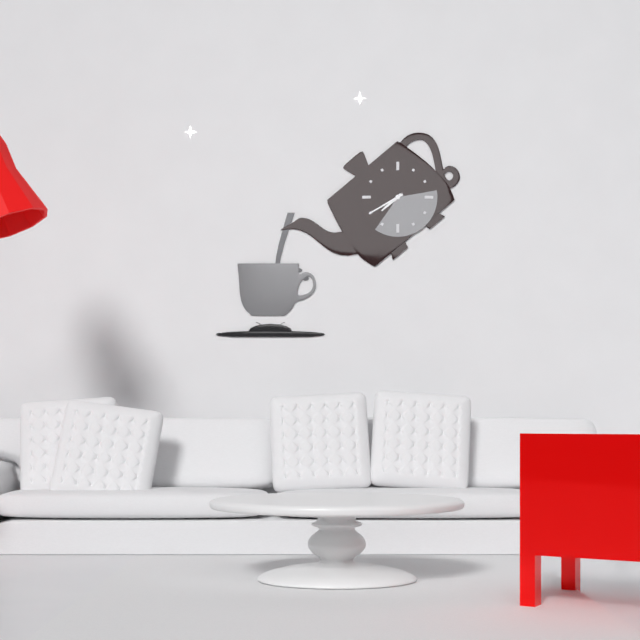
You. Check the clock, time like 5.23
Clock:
7.40
